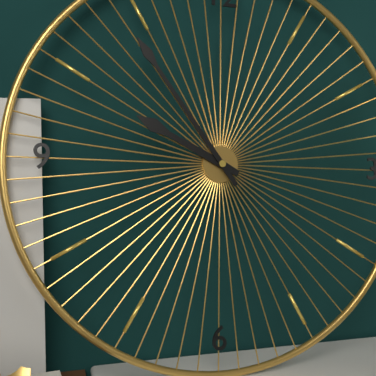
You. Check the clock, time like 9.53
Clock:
9.54
